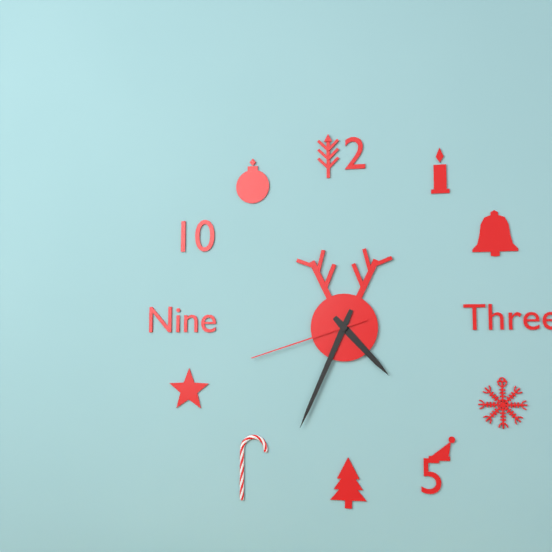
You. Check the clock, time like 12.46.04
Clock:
4.34.42
